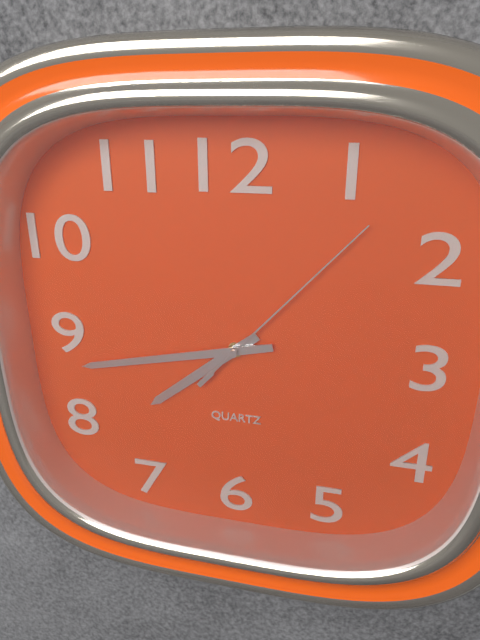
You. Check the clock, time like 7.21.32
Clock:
7.43.07
